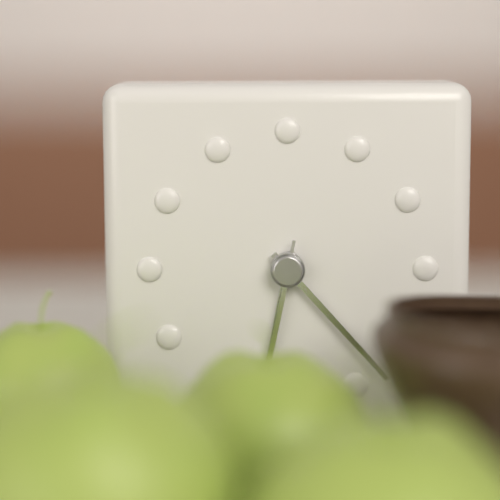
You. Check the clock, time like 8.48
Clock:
6.23
